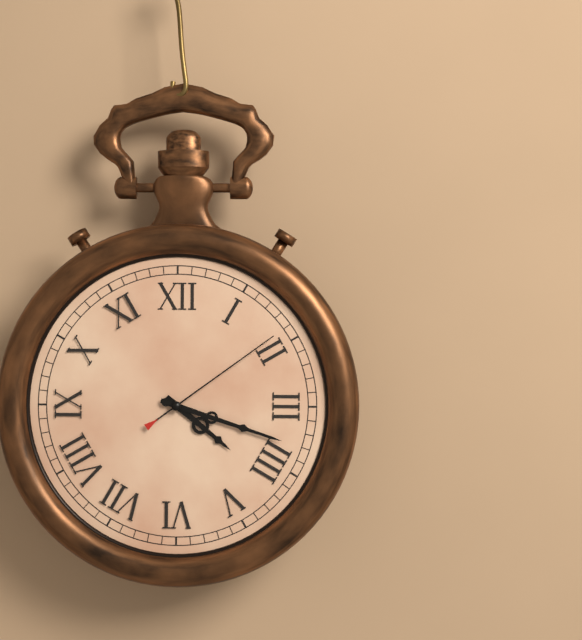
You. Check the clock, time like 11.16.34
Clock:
4.18.09
